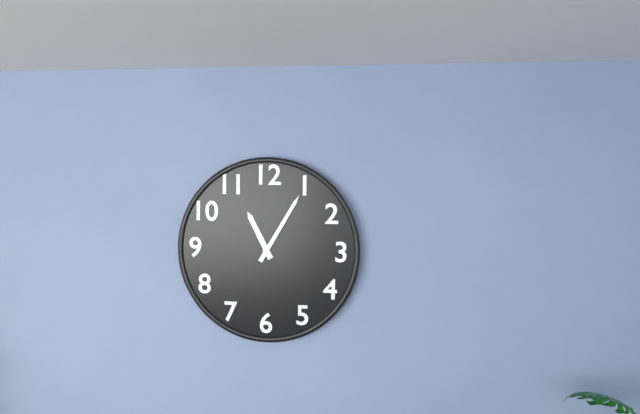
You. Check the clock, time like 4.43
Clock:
11.05
